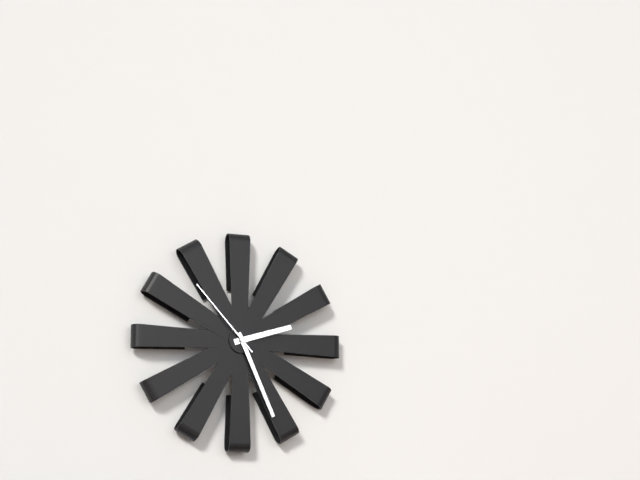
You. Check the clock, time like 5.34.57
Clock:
2.26.53
